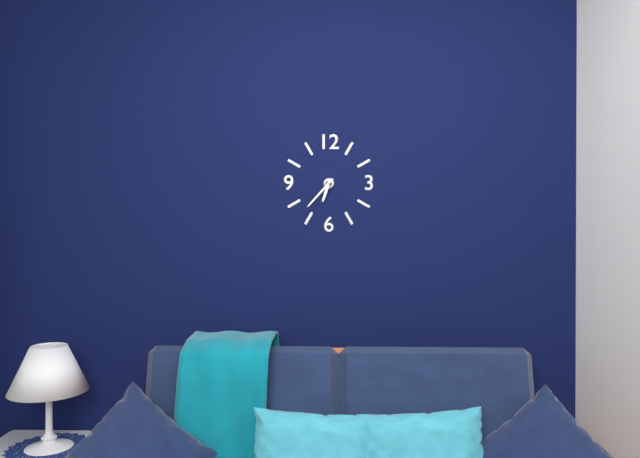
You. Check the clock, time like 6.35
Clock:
6.37
